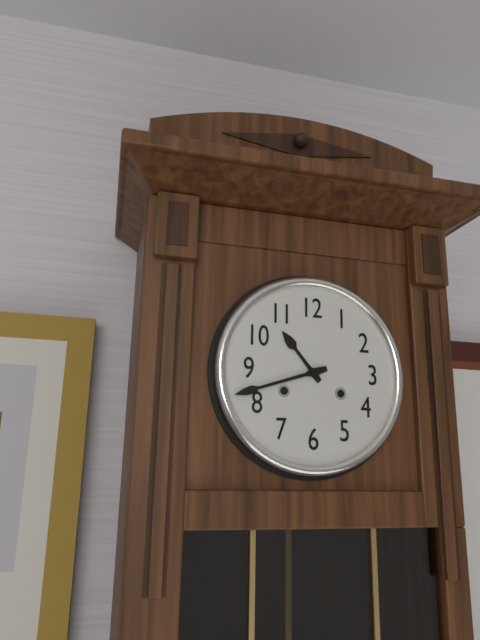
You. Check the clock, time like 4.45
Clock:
10.42
